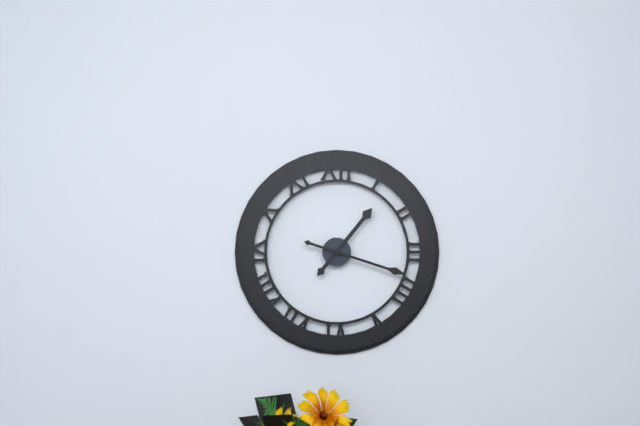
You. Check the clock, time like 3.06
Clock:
1.18
